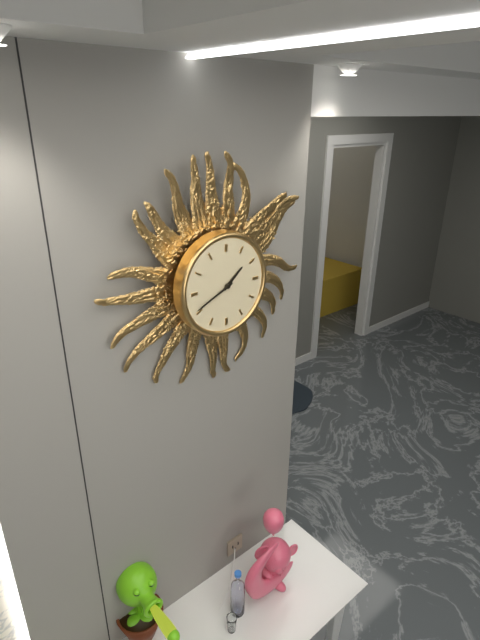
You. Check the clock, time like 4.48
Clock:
1.41
